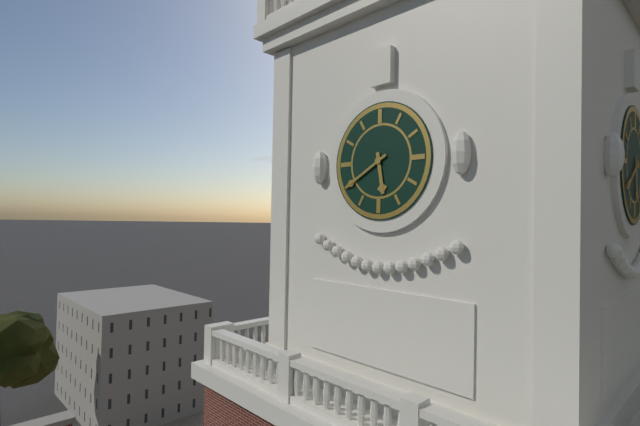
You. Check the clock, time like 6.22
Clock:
5.40
